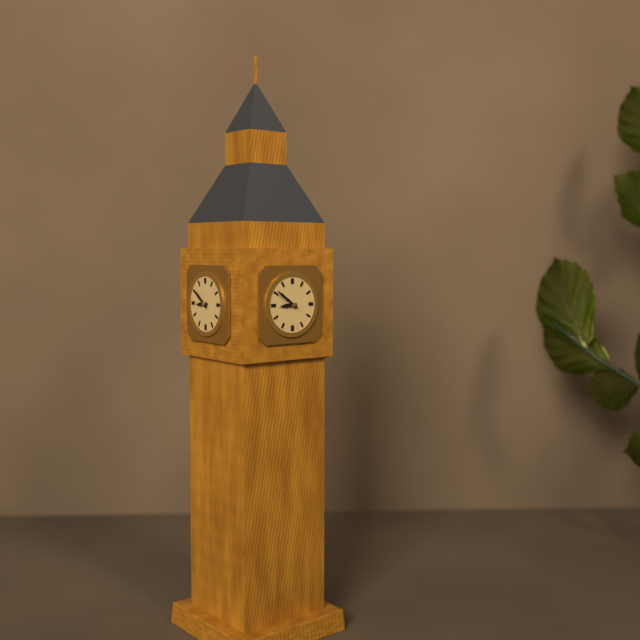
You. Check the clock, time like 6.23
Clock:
8.51
